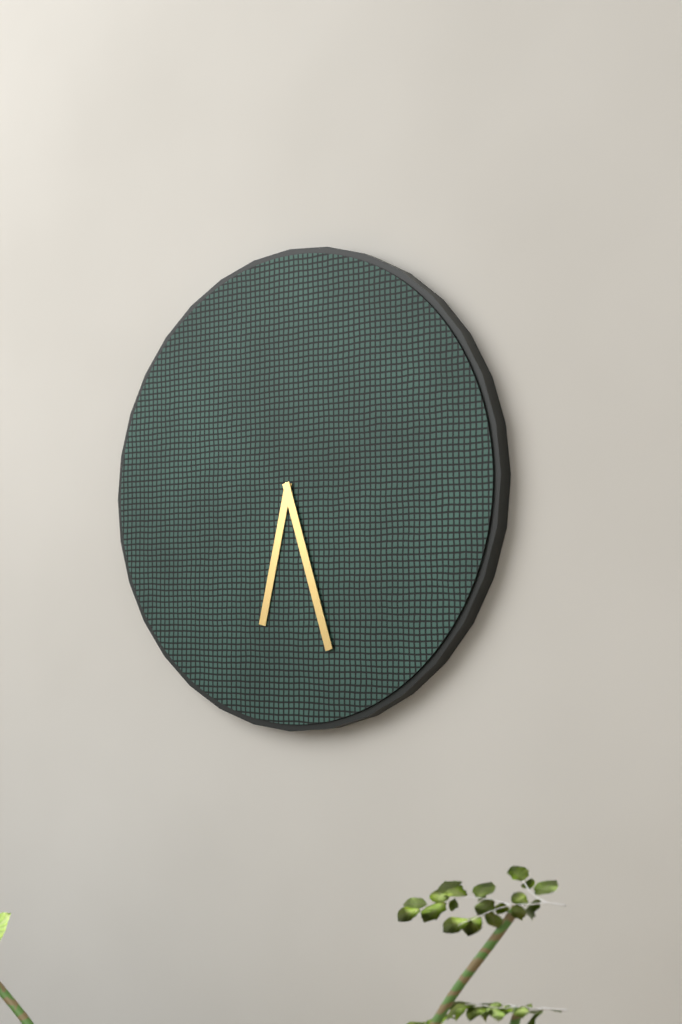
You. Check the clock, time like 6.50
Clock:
6.27
